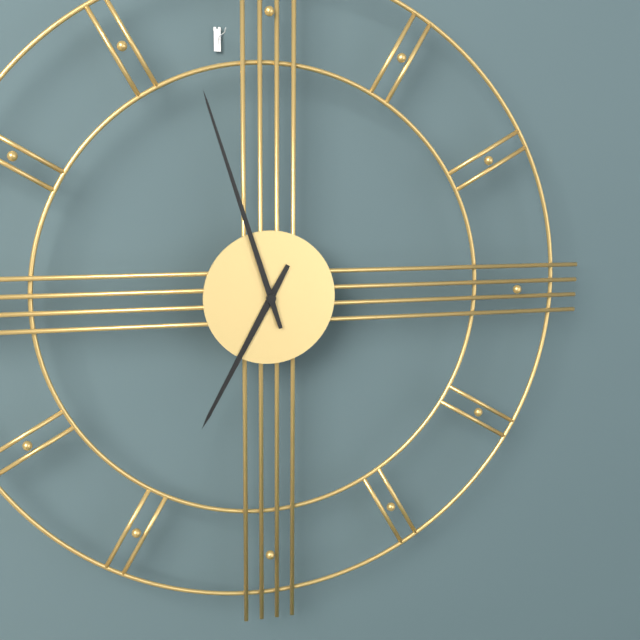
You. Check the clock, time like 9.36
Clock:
6.57
